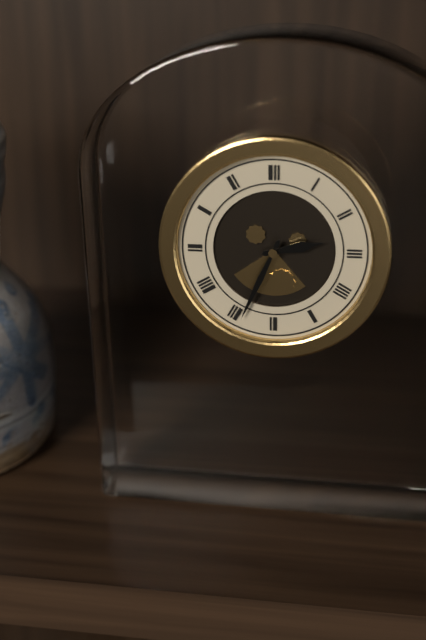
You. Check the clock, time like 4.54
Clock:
2.34
